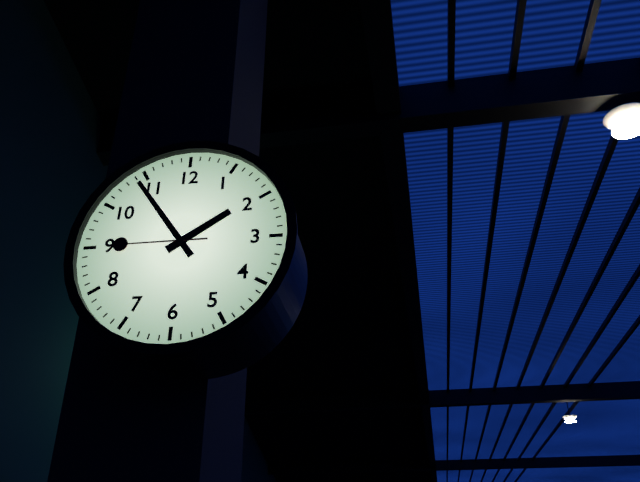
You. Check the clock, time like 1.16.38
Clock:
1.54.45
